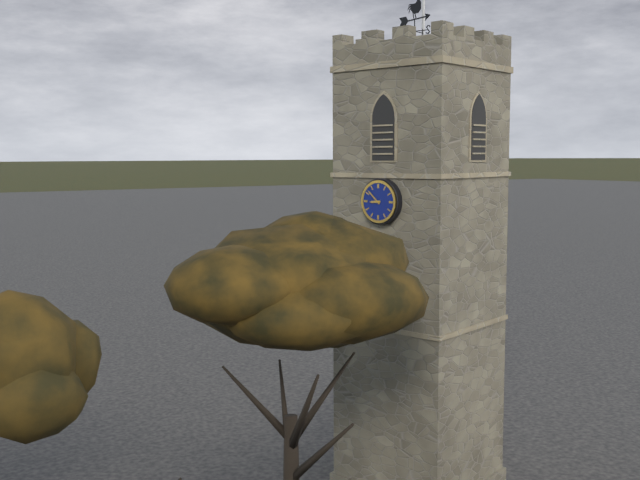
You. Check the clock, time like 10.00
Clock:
8.52
